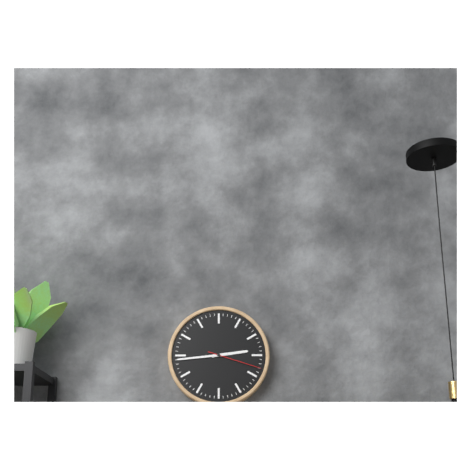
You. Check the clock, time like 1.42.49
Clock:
2.44.18
